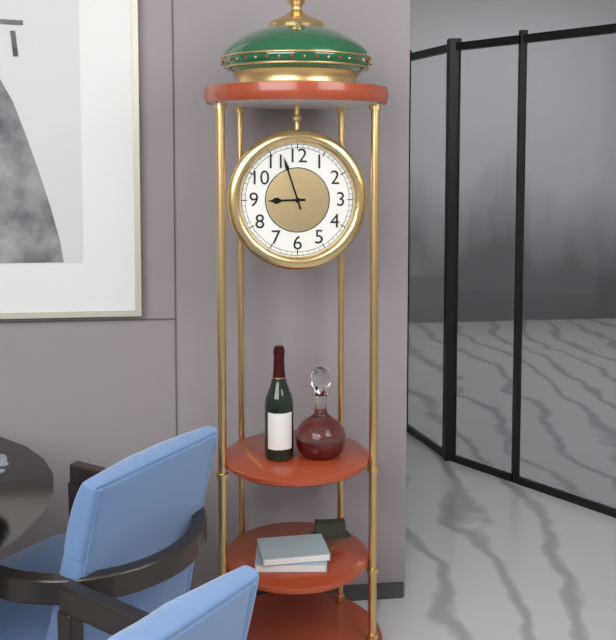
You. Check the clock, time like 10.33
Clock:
8.57
